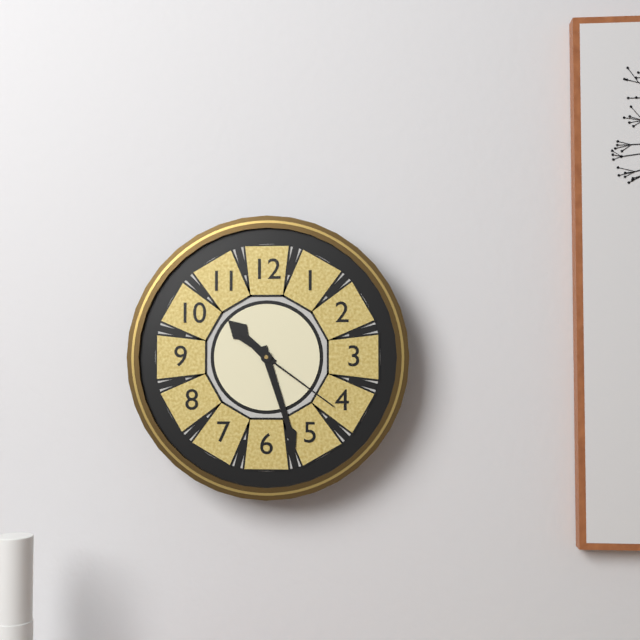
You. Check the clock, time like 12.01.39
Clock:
10.27.21
